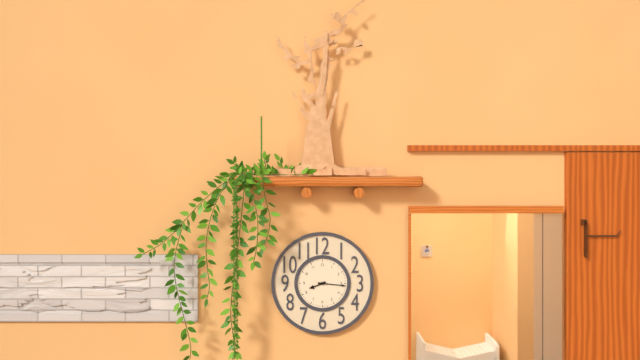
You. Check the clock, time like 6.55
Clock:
8.16
